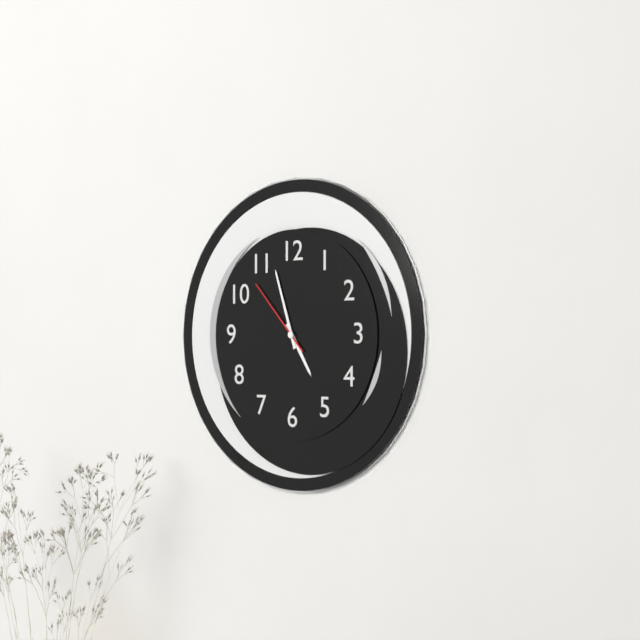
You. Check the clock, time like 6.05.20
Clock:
4.57.53
